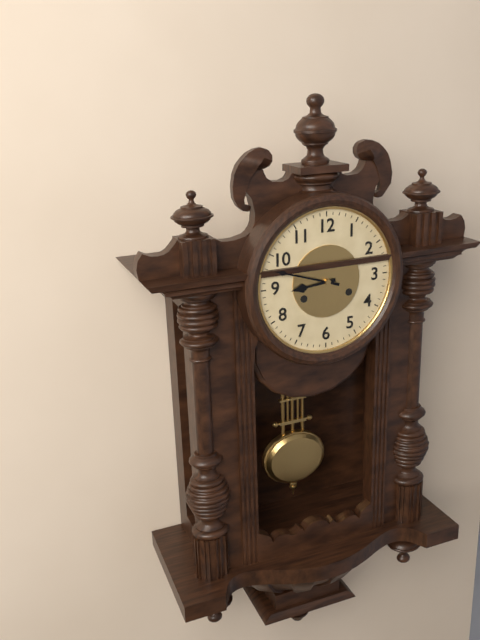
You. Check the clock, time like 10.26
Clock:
8.48
